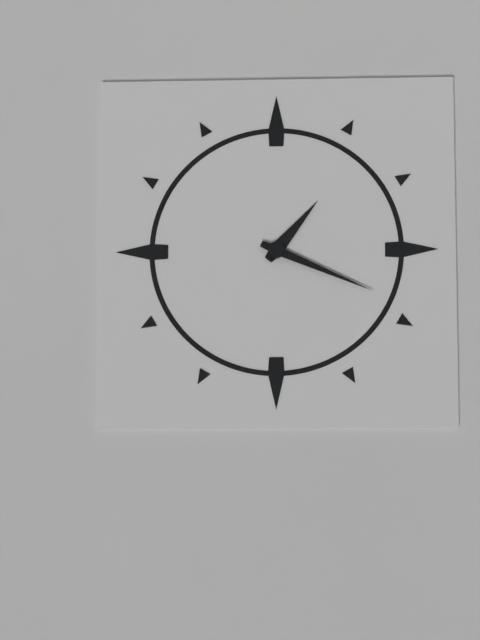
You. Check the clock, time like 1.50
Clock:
1.19
